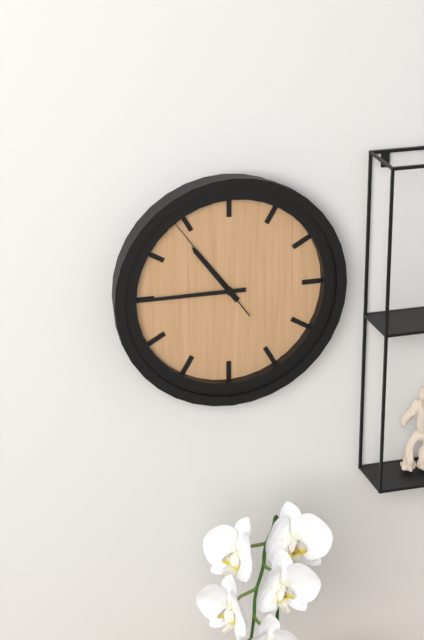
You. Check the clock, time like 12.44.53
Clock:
10.45.54
